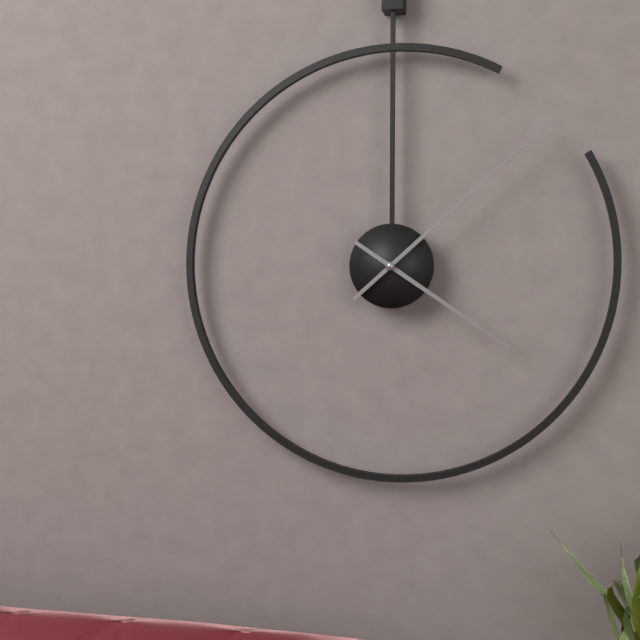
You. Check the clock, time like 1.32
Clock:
4.08
